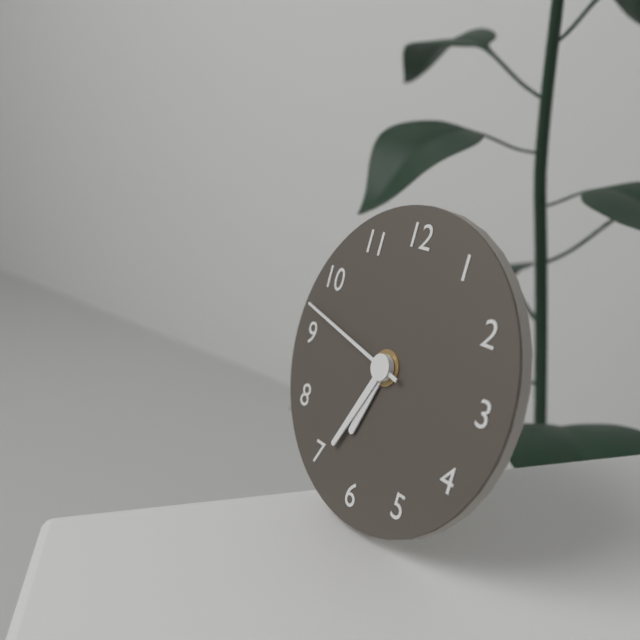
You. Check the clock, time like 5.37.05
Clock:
6.34.47
